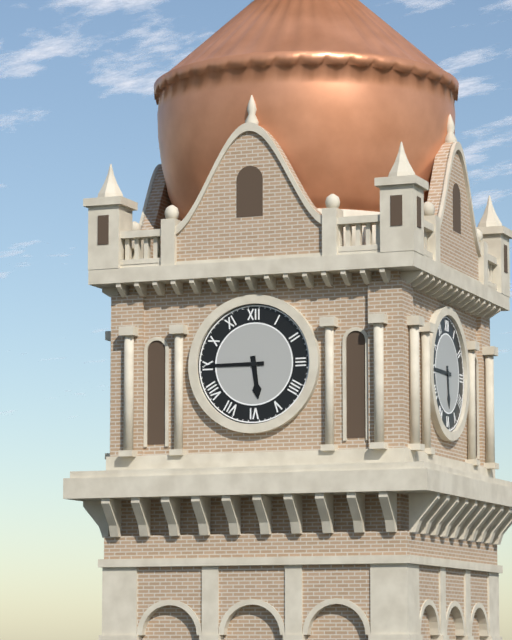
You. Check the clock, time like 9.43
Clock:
5.45
